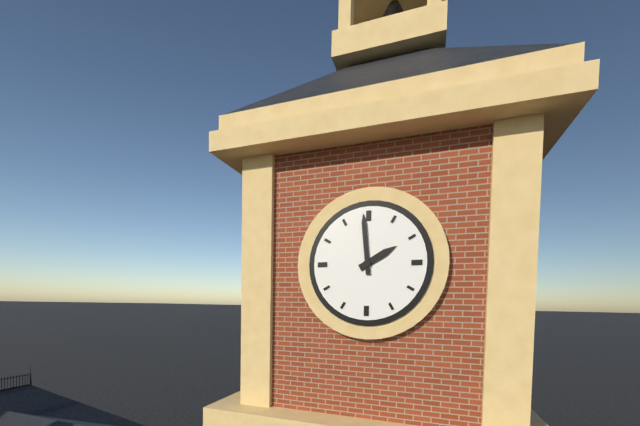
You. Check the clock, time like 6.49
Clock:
1.59
